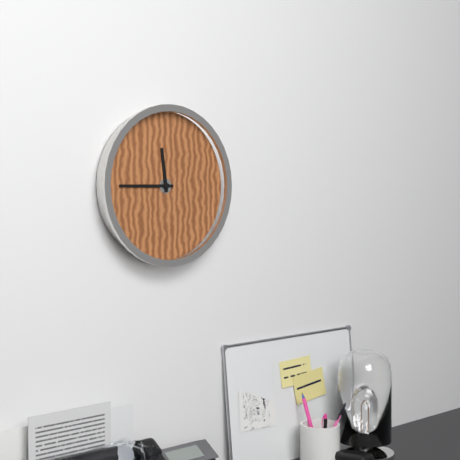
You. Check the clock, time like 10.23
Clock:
11.45
